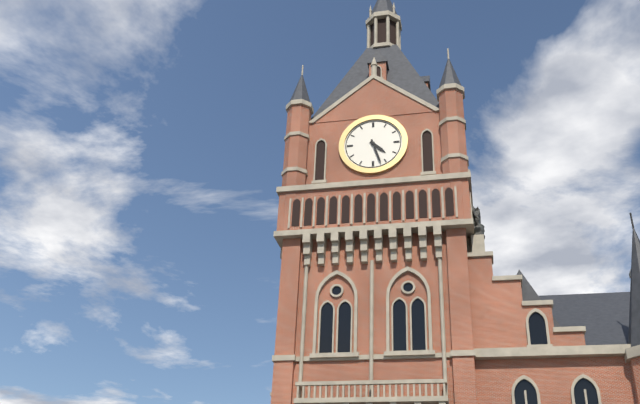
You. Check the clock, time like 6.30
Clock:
4.27
